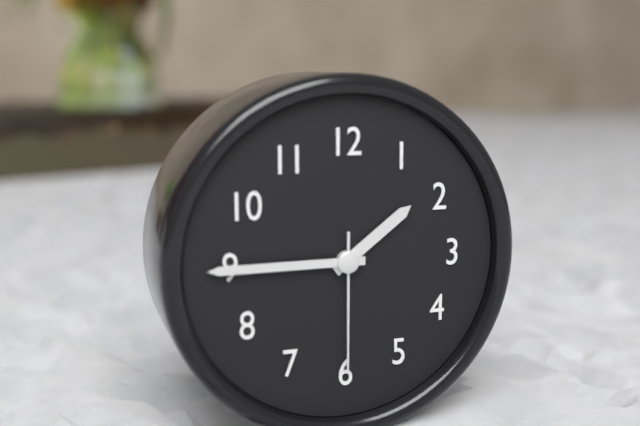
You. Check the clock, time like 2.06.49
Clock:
1.45.30
